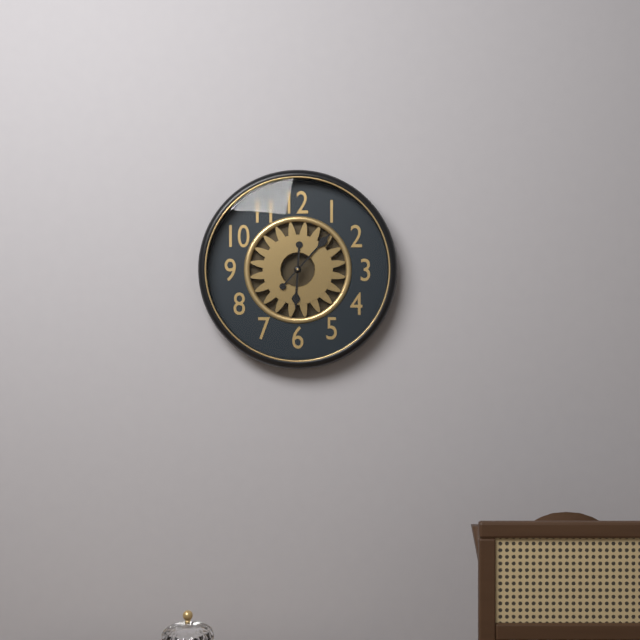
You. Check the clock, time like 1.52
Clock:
6.07
